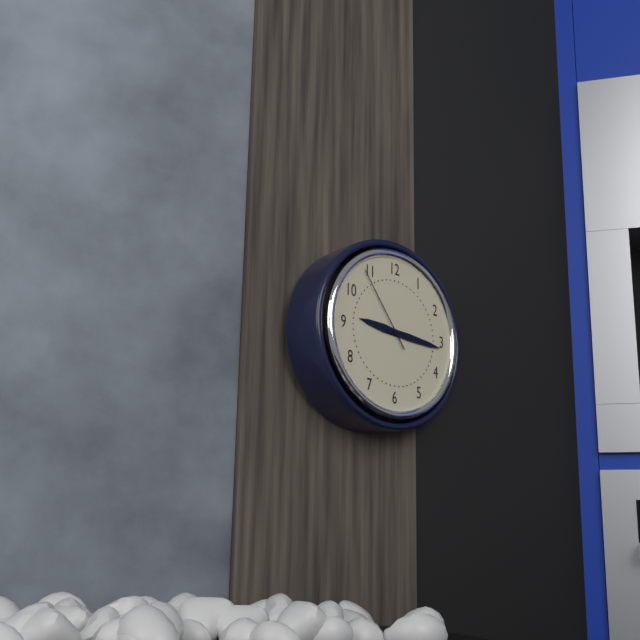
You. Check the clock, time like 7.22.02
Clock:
9.16.54
